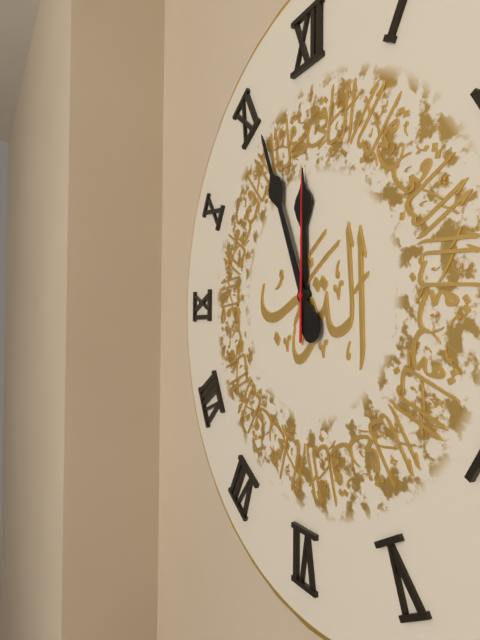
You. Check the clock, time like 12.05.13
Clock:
11.56.00
